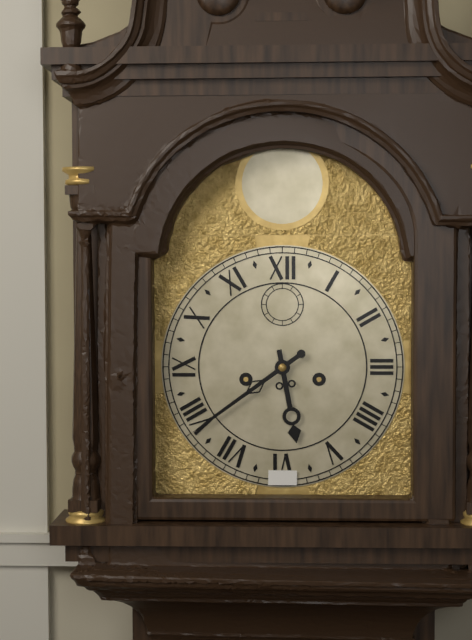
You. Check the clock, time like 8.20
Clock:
5.39
